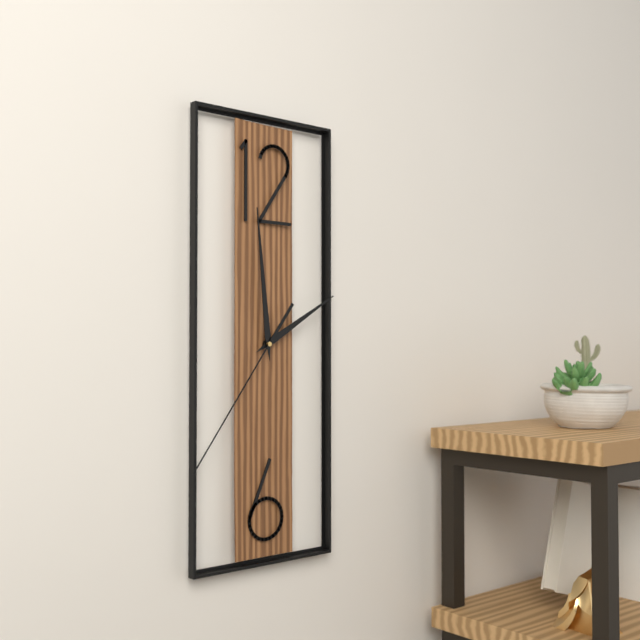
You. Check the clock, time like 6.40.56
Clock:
1.59.36
